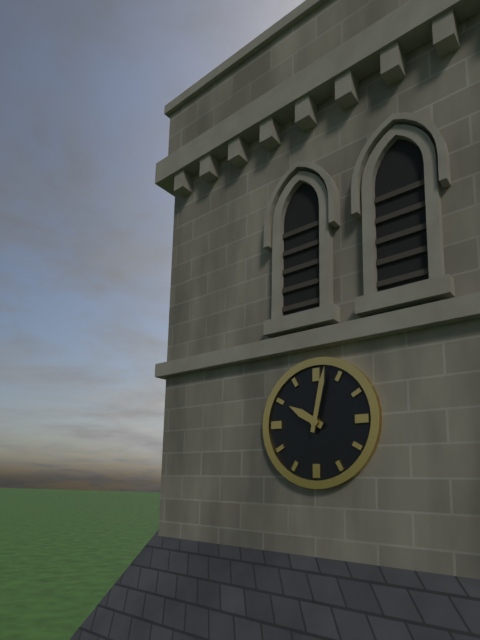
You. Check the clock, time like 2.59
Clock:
10.02
